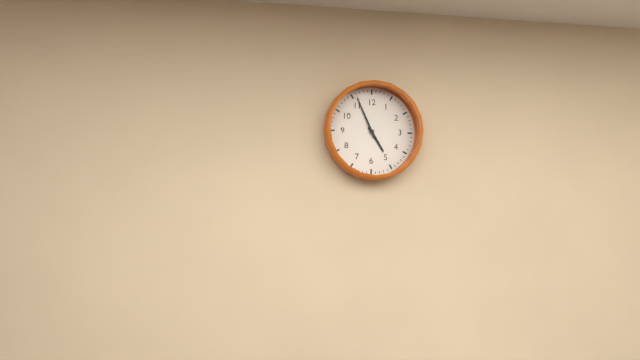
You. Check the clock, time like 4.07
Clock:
4.56
